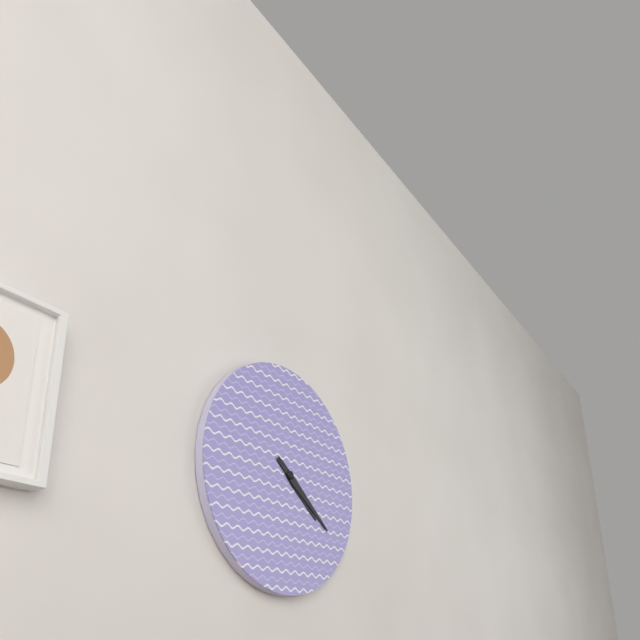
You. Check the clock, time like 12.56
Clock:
4.21
